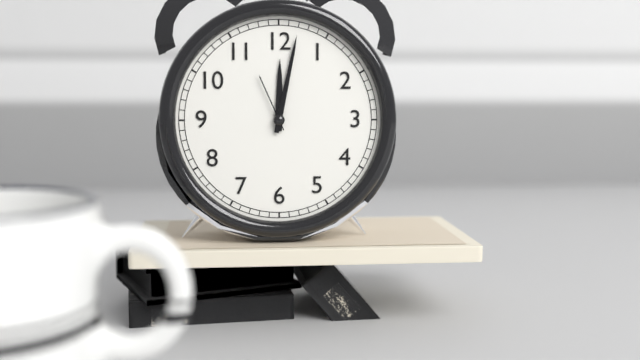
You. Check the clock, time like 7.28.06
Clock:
12.02.56
